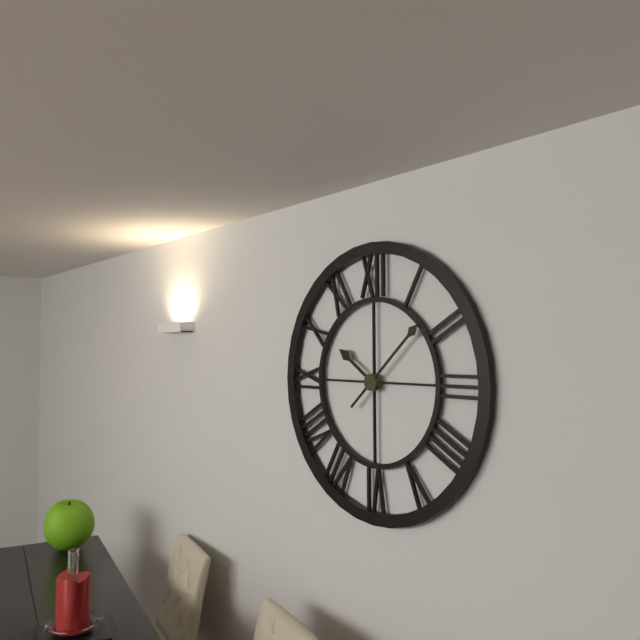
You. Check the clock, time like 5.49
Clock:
10.08
